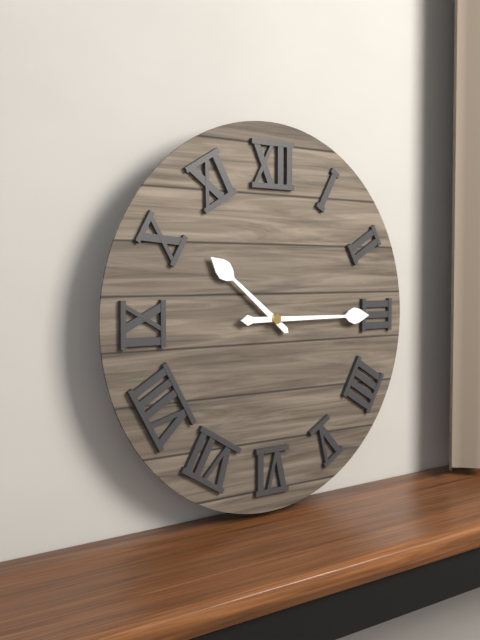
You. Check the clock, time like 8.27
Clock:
10.15
